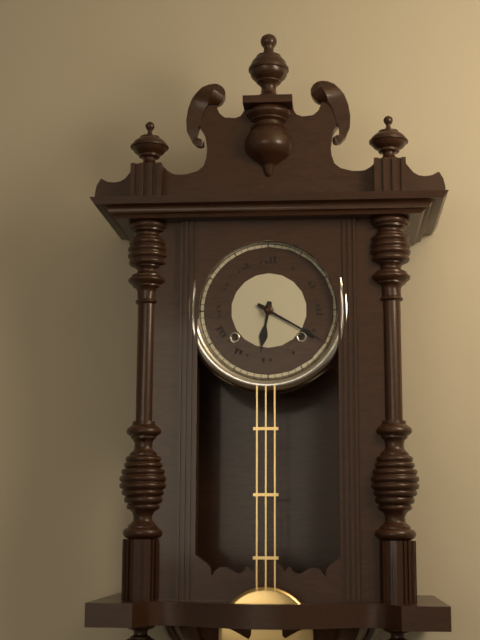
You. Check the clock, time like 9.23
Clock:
6.20
